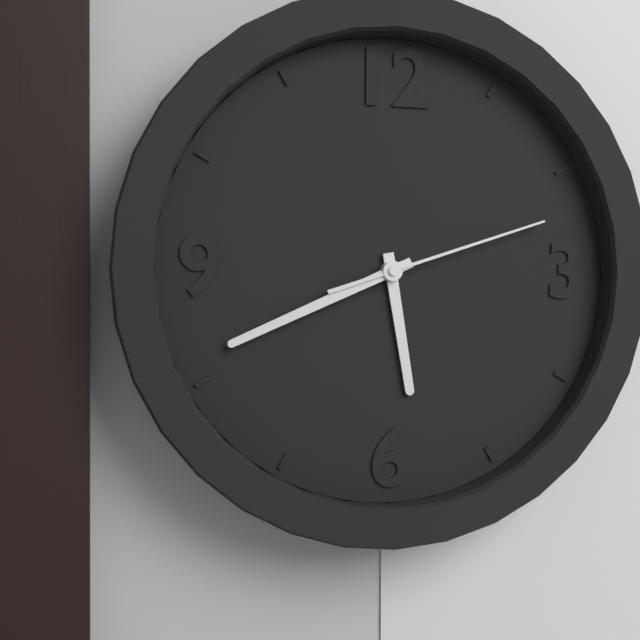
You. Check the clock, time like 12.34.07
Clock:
5.41.12
